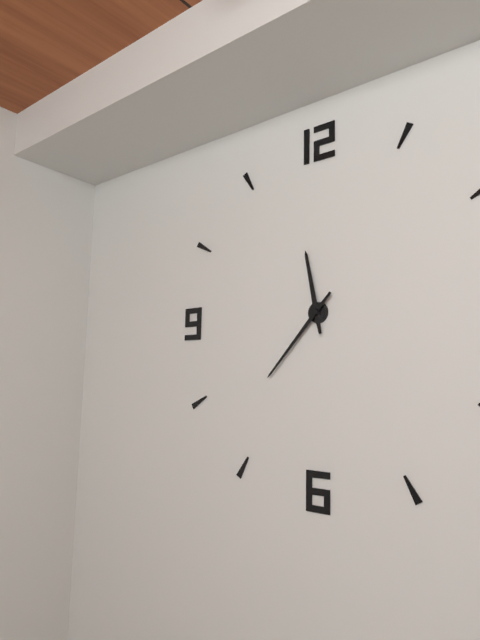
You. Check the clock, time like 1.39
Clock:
11.37
